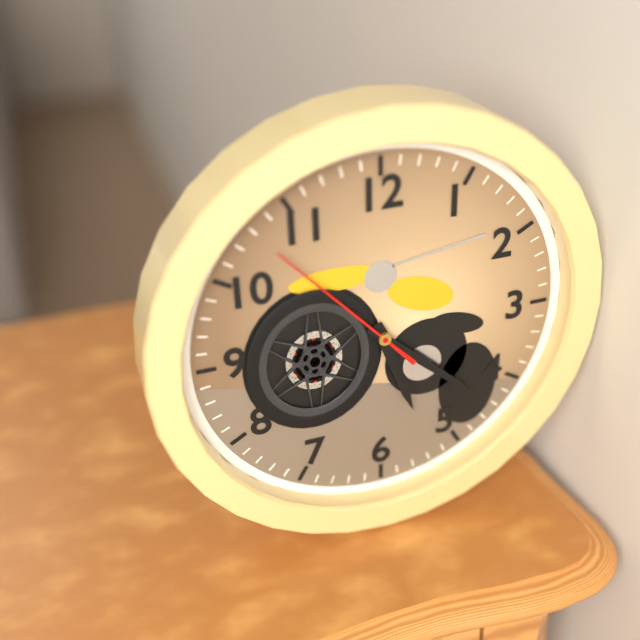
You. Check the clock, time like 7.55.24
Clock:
5.22.53
